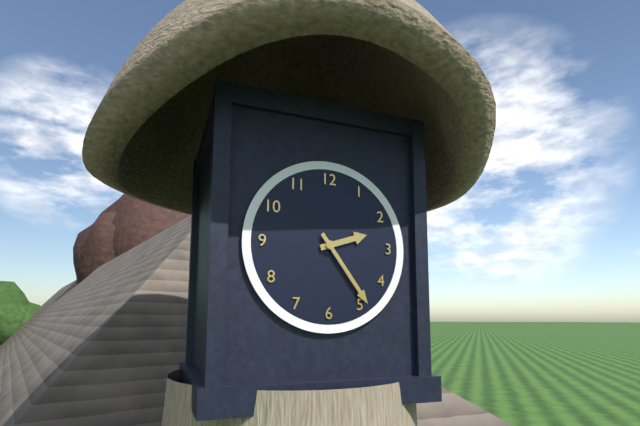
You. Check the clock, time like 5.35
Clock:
2.24
